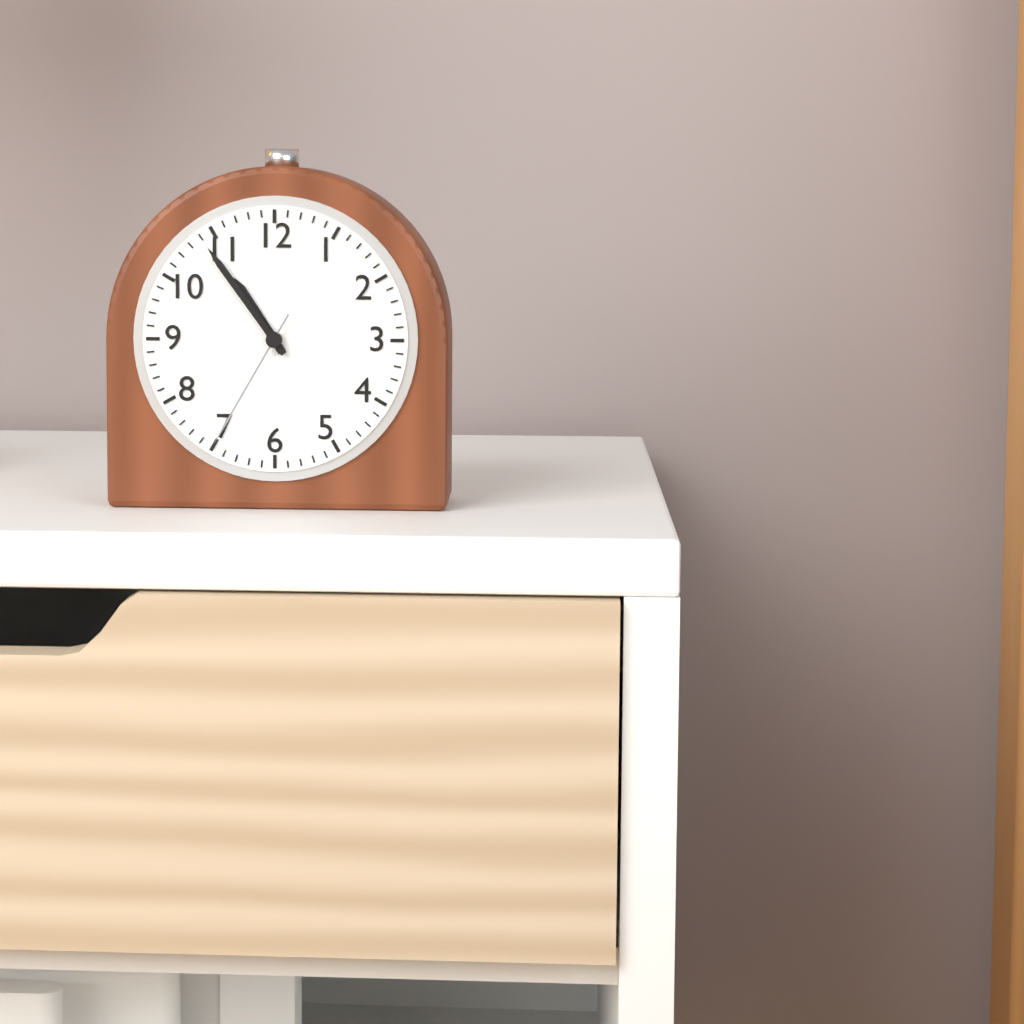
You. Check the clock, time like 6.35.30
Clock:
10.54.35
